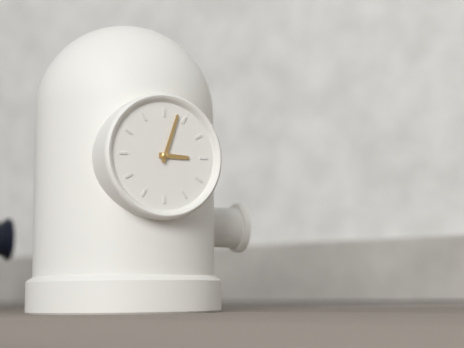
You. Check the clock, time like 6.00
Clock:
3.03
